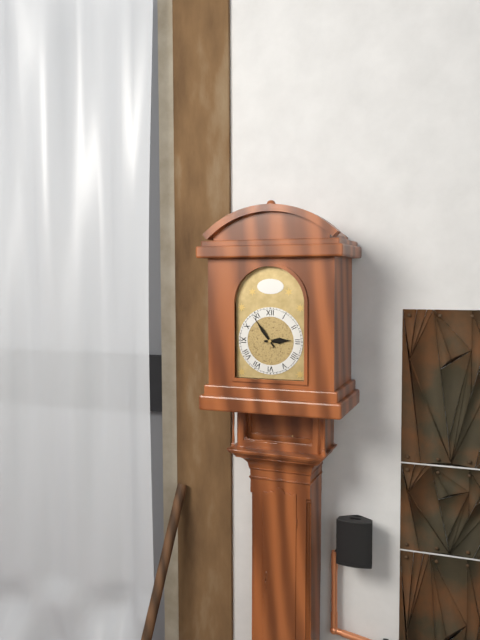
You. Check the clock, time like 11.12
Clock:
2.54
